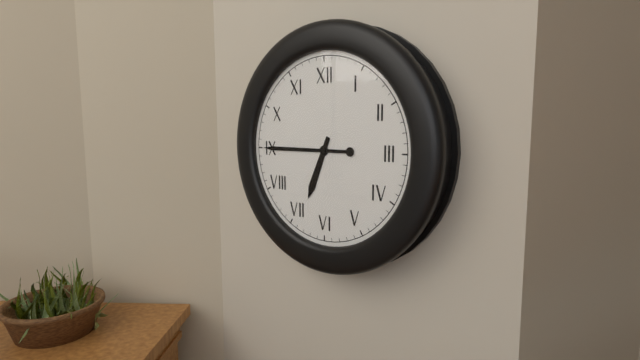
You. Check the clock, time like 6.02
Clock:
6.45
